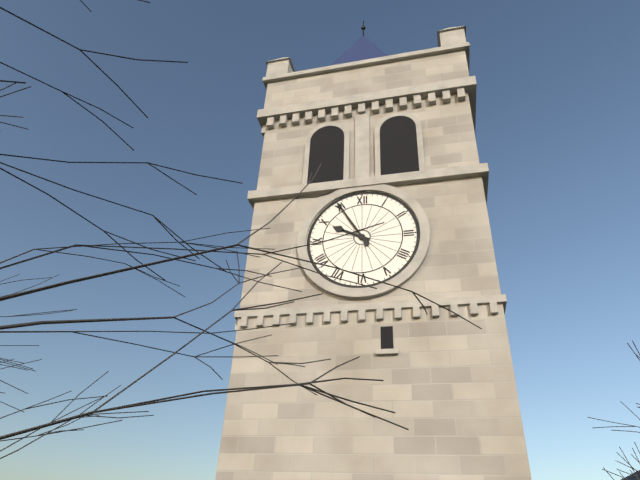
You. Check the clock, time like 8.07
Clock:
9.55
